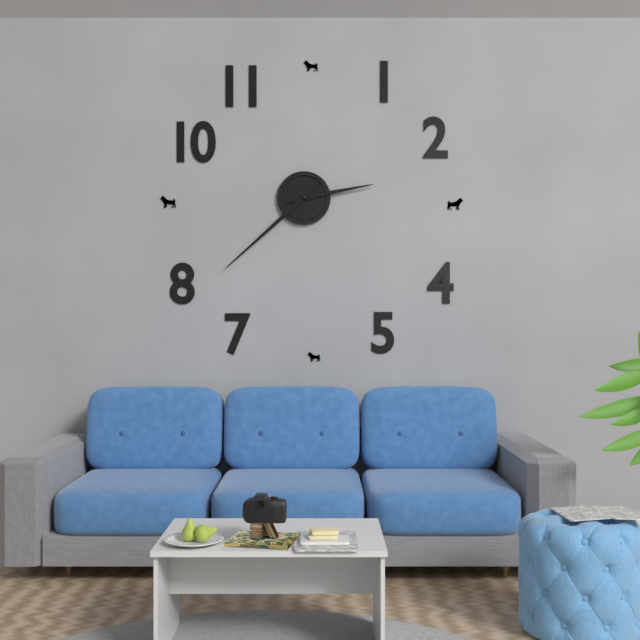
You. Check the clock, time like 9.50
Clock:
2.38
